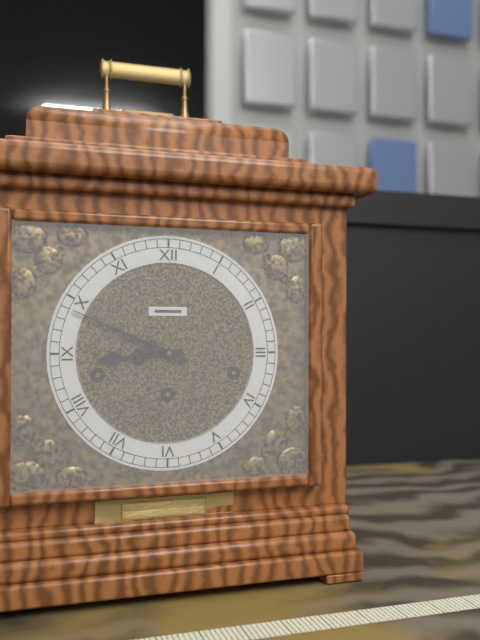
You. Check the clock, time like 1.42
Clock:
8.49
